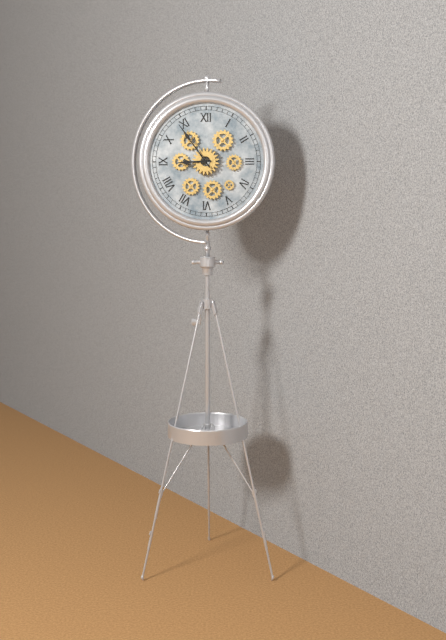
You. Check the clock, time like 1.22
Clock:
8.54
